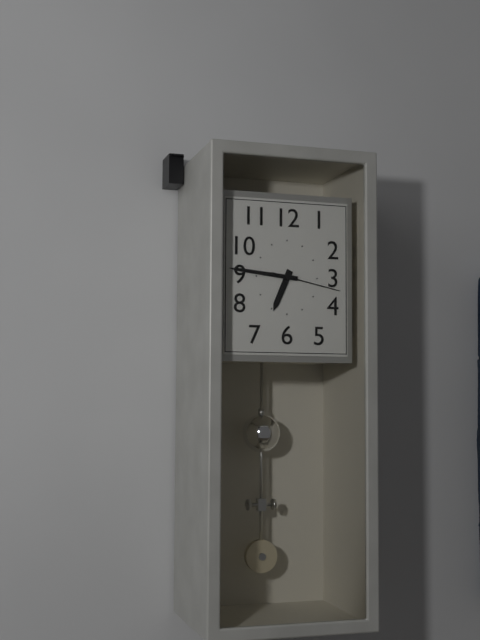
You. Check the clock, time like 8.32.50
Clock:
6.46.17
